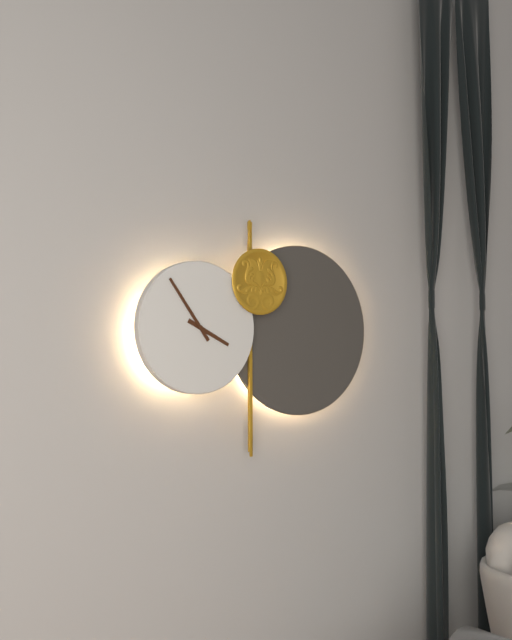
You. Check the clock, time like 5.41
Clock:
3.54
